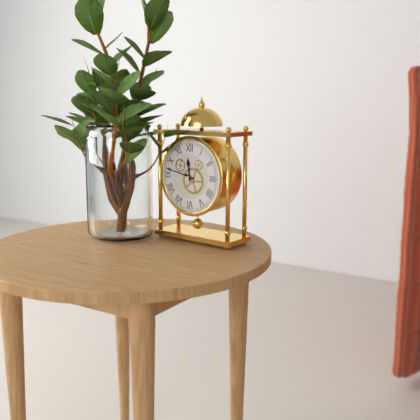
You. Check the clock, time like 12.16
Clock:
11.47
